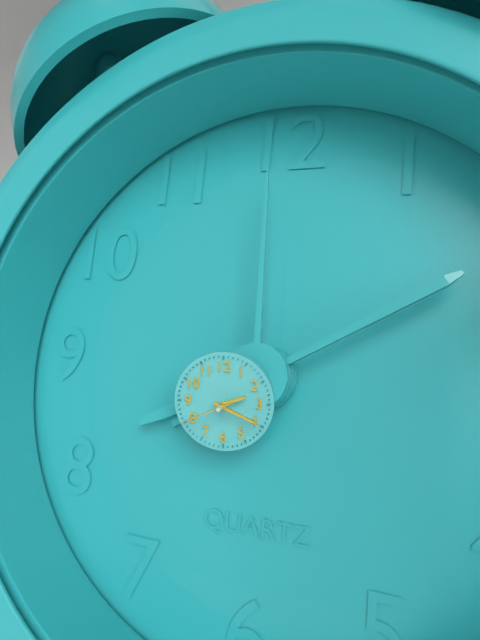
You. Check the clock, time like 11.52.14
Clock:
2.19.41
